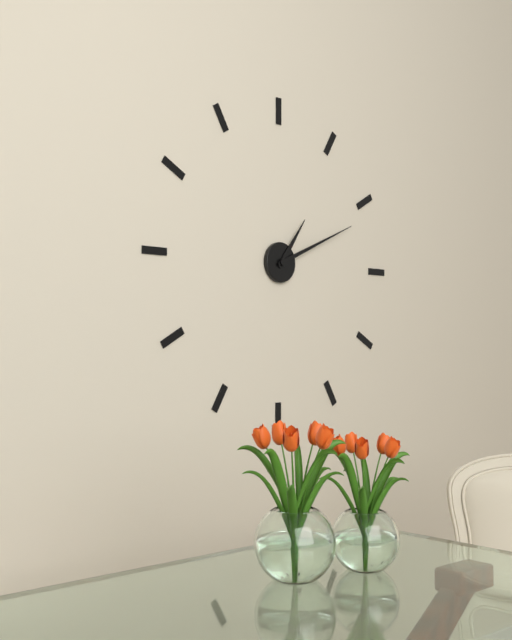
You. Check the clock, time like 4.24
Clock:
1.11
